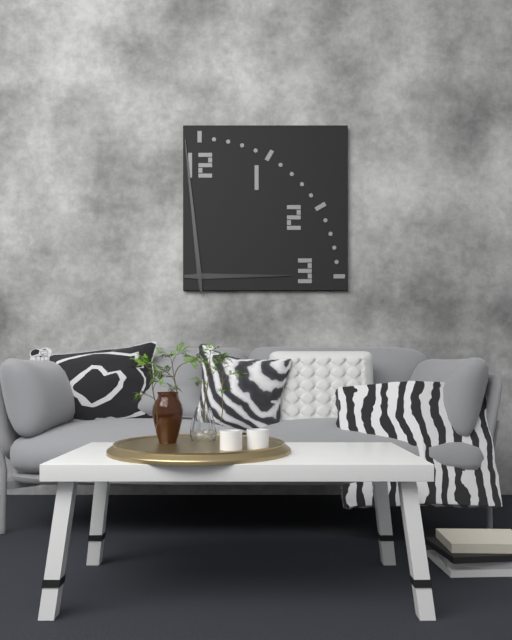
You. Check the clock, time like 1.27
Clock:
2.59
